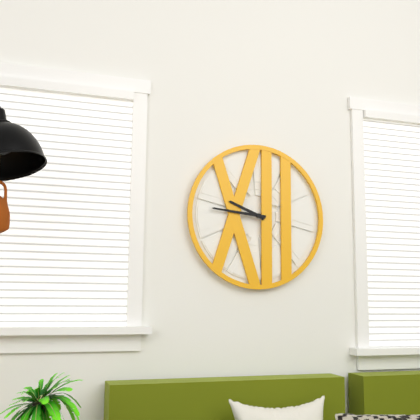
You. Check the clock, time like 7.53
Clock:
9.46
